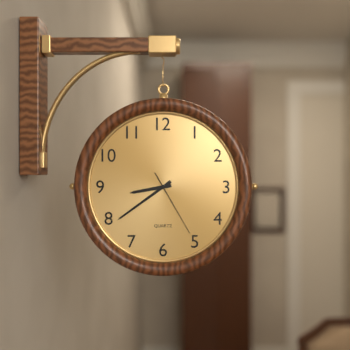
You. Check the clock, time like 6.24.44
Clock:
8.39.25
